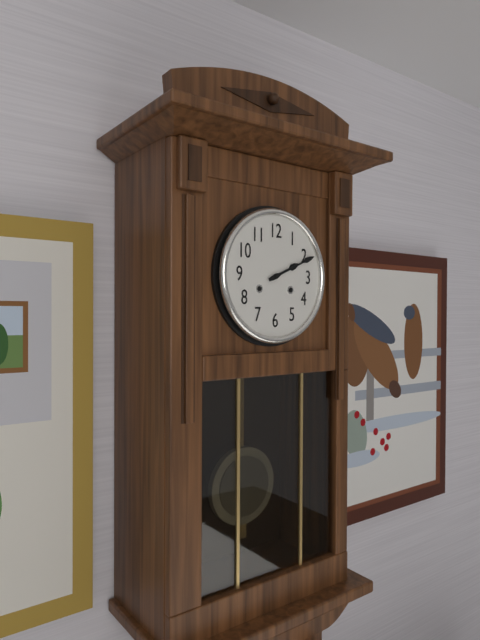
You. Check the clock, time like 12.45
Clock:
2.11
